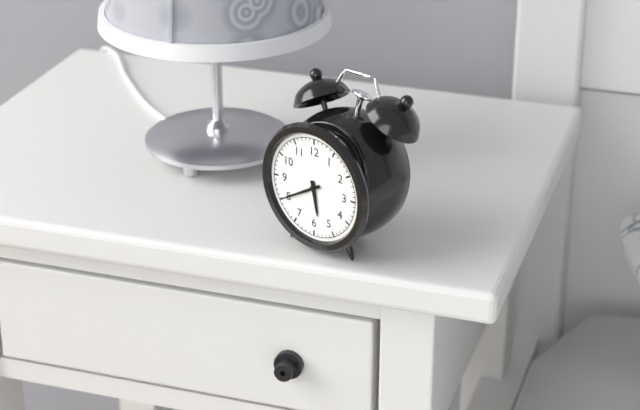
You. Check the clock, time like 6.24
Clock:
5.40
